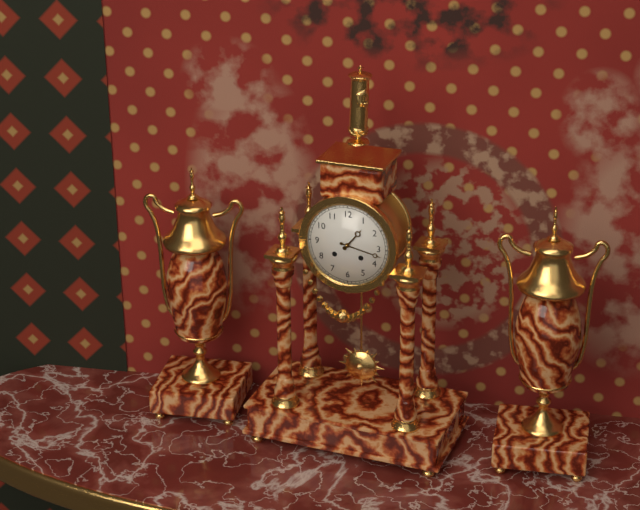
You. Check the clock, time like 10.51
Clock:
1.17
